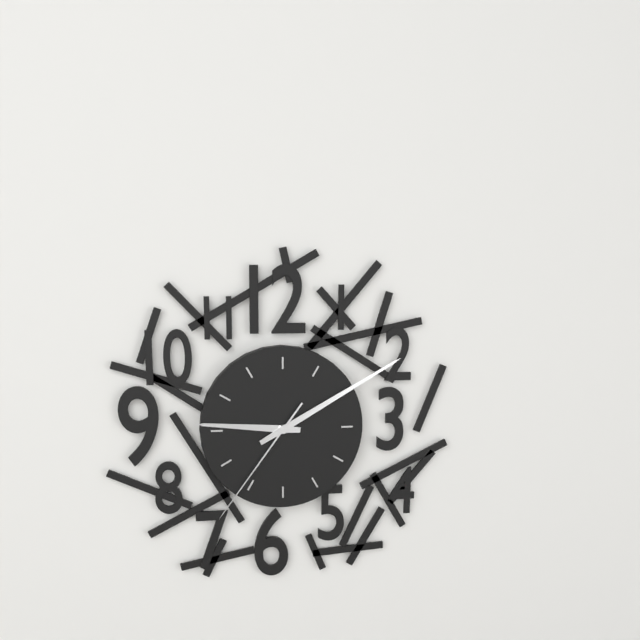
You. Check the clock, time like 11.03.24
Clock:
9.10.36
